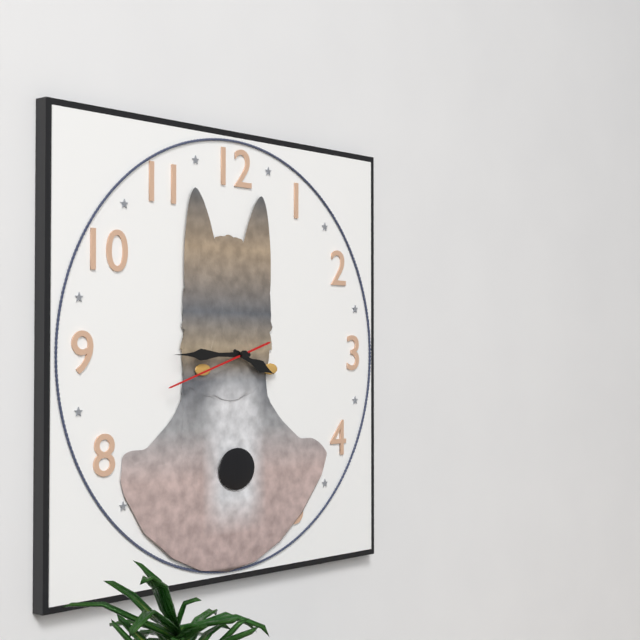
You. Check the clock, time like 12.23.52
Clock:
3.45.42
